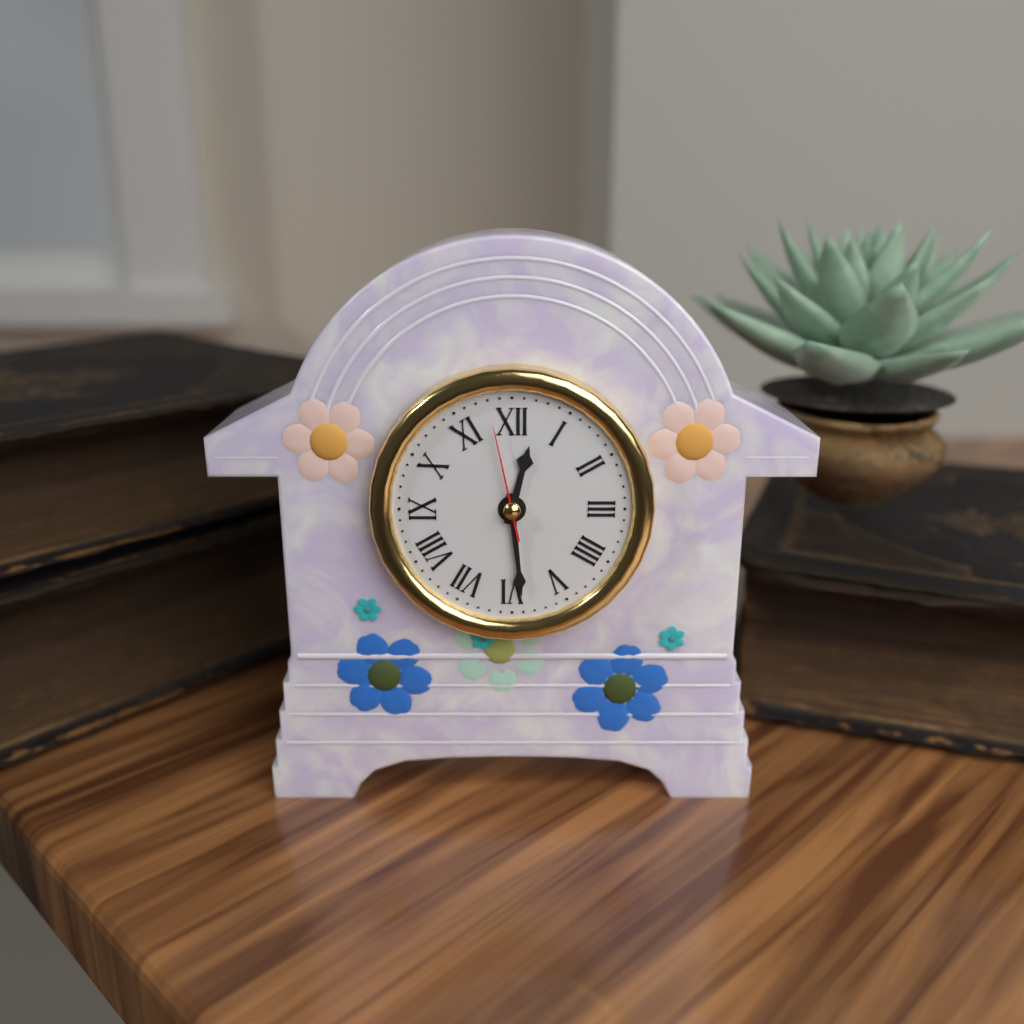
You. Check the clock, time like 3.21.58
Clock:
12.29.58
